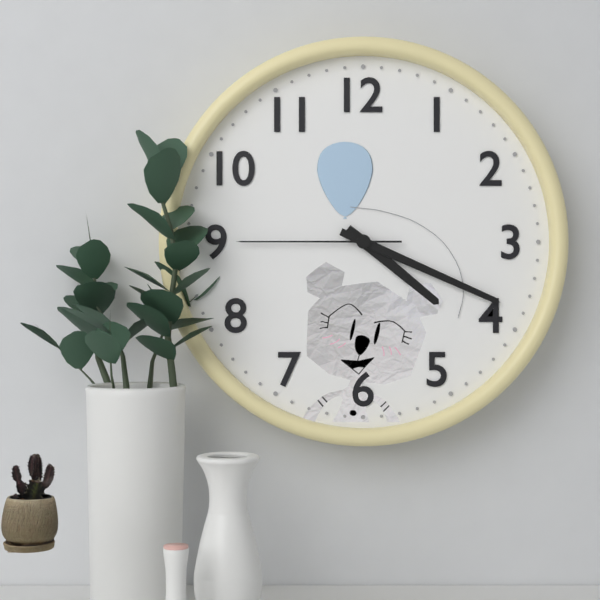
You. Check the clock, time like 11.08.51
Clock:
4.19.45
